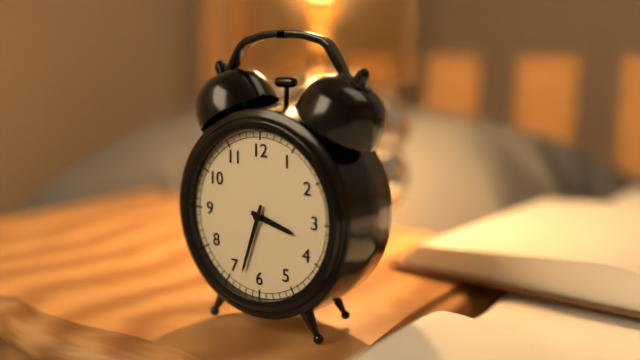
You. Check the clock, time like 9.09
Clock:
3.33
